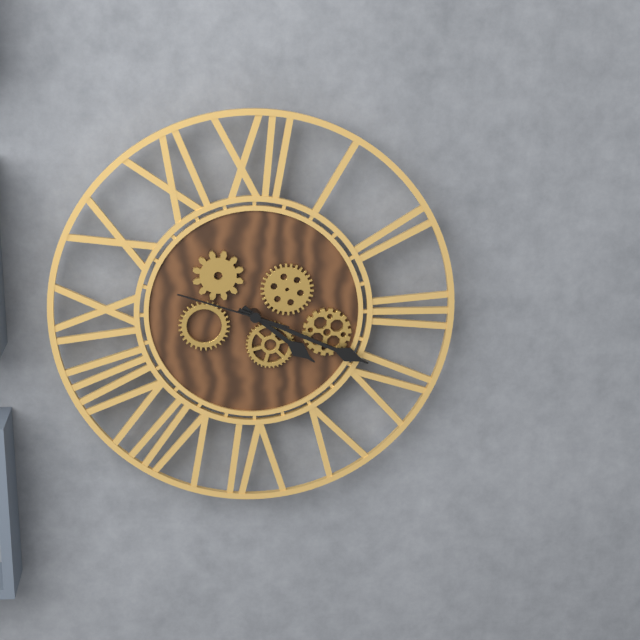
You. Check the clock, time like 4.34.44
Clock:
4.19.48
